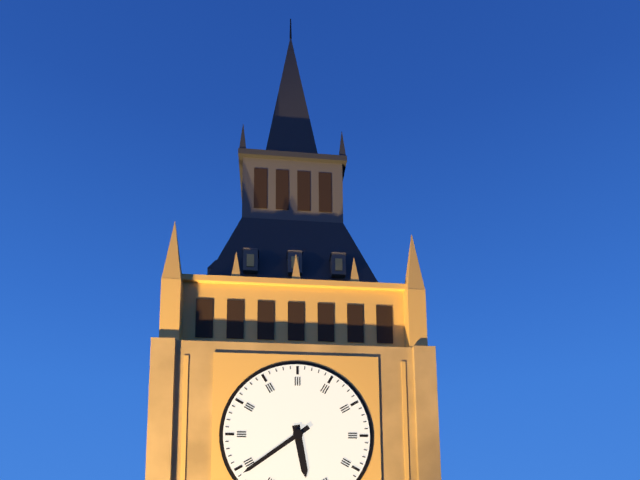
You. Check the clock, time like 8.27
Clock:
5.39
